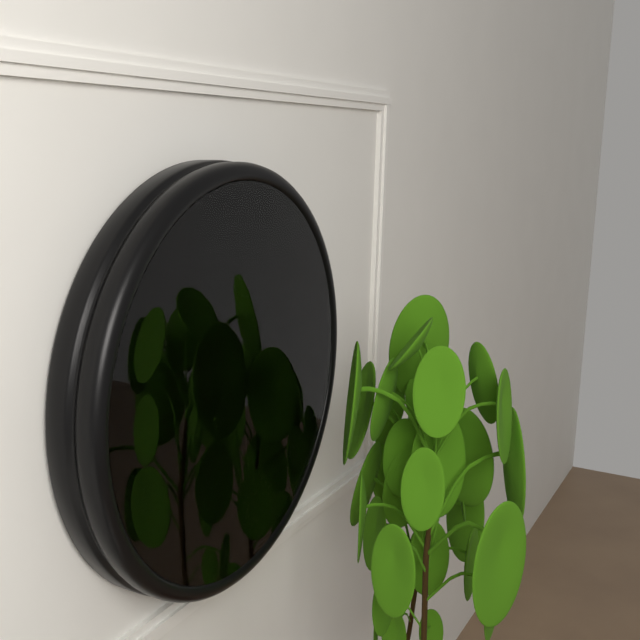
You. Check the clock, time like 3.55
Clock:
2.01
